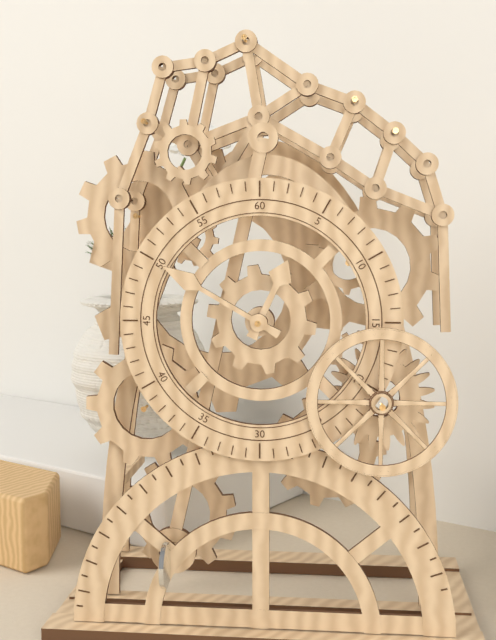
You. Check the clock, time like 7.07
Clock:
12.50
